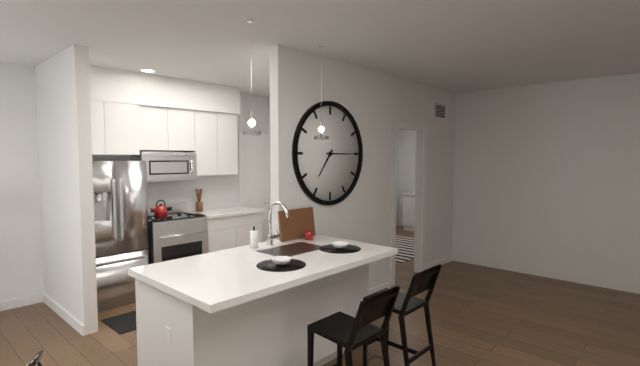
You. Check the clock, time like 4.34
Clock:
7.15
